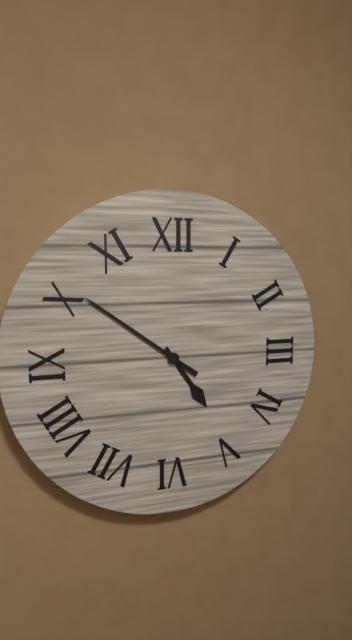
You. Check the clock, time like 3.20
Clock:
4.51
